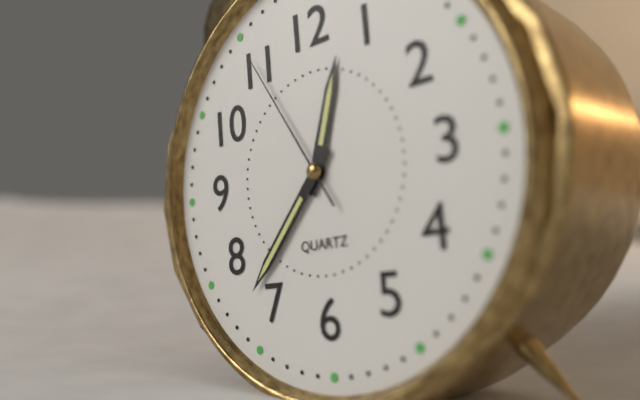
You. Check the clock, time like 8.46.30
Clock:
12.37.55
